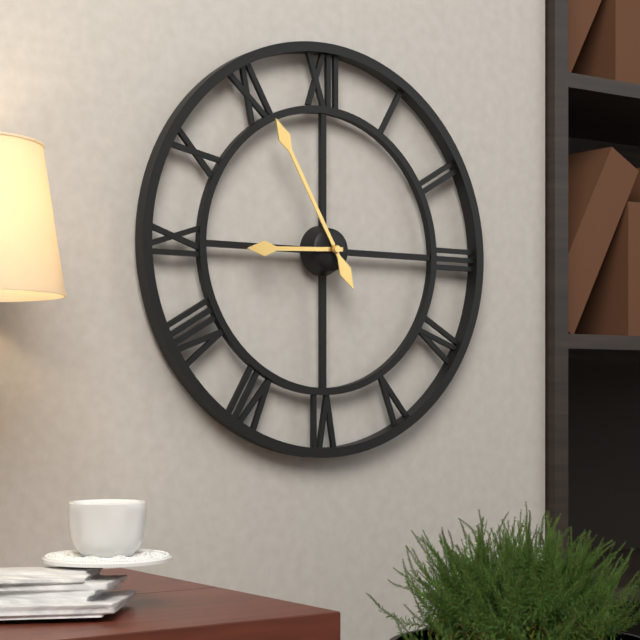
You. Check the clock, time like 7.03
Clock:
8.55
